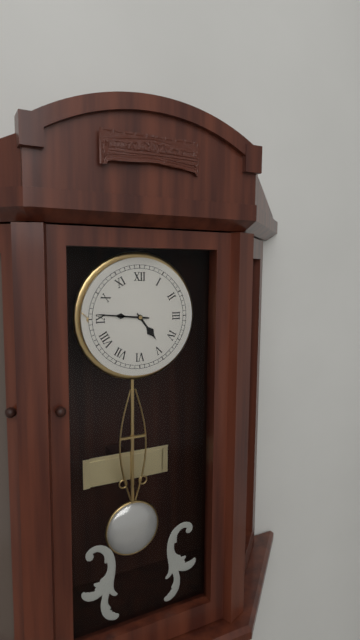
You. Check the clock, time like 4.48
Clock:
4.46
